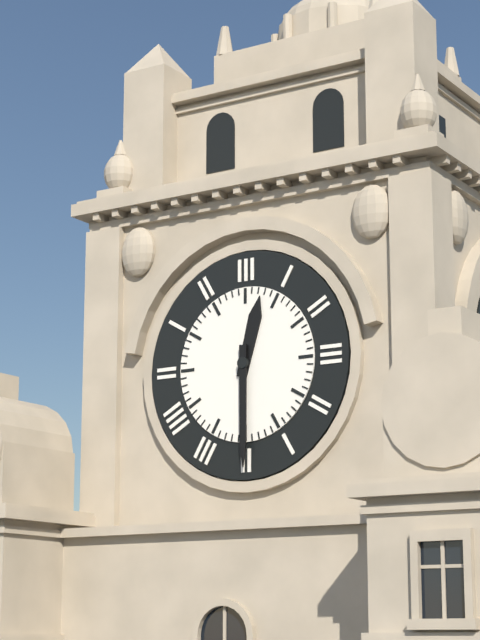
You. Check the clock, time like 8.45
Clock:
12.30
